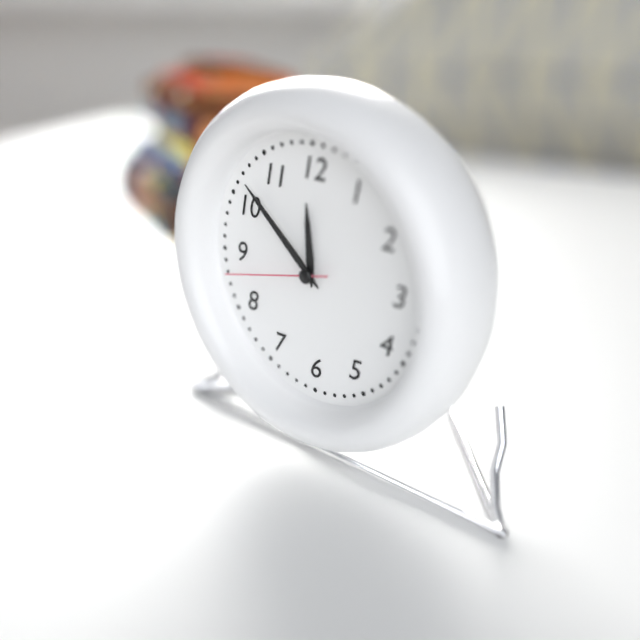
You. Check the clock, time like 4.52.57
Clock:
11.52.43
